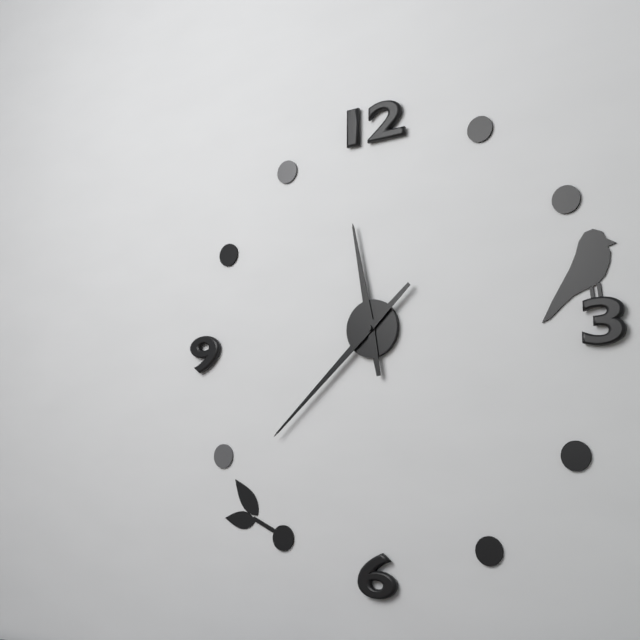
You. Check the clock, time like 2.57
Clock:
11.38
